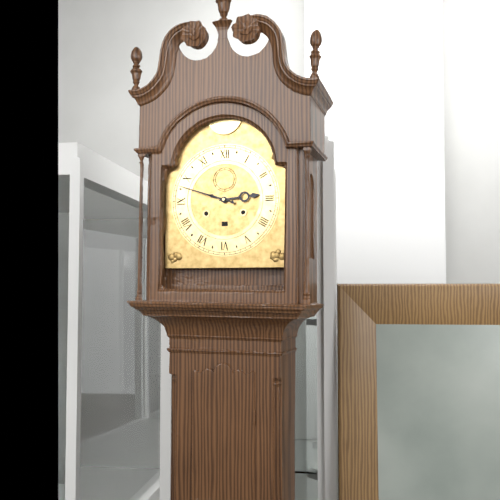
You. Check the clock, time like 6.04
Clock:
2.48
